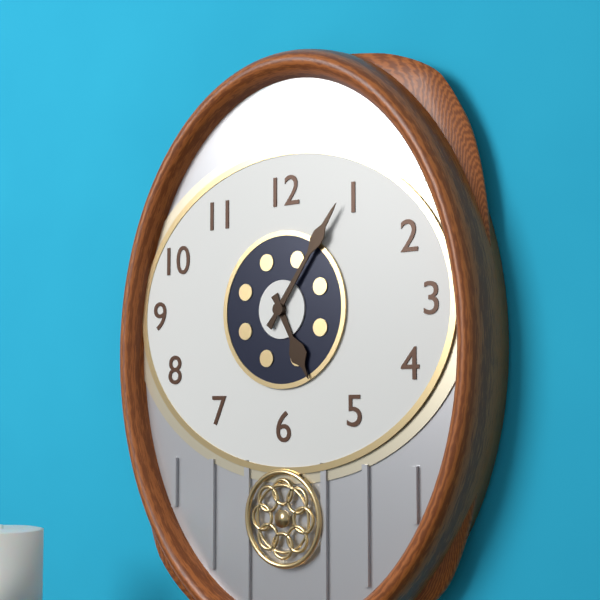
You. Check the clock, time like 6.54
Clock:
5.06
